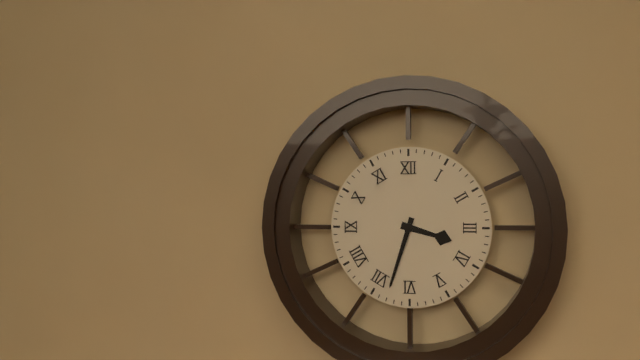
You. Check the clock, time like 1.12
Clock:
3.33
